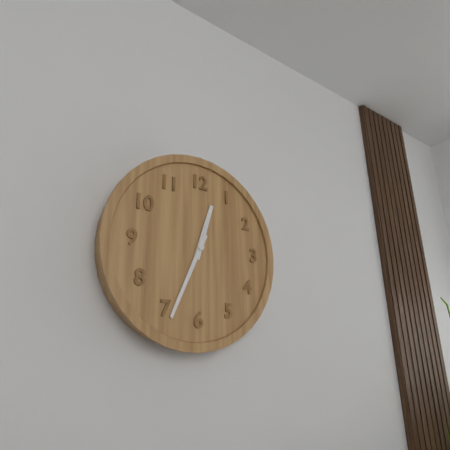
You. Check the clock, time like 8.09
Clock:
12.34
